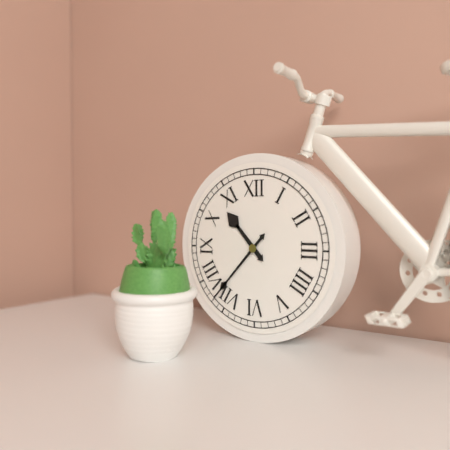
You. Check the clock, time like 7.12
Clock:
10.37
